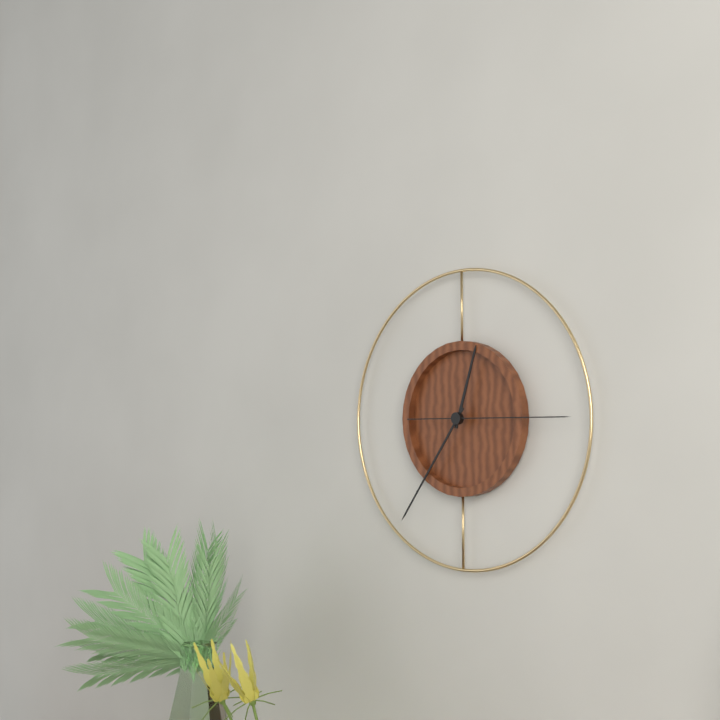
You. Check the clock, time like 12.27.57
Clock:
12.36.15
